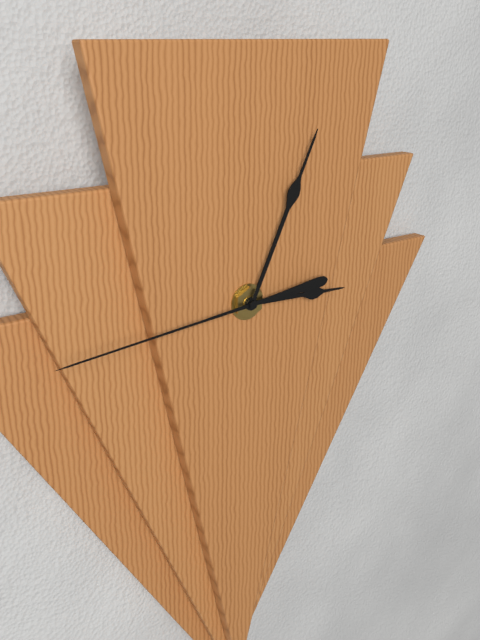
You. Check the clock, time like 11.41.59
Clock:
3.04.44
